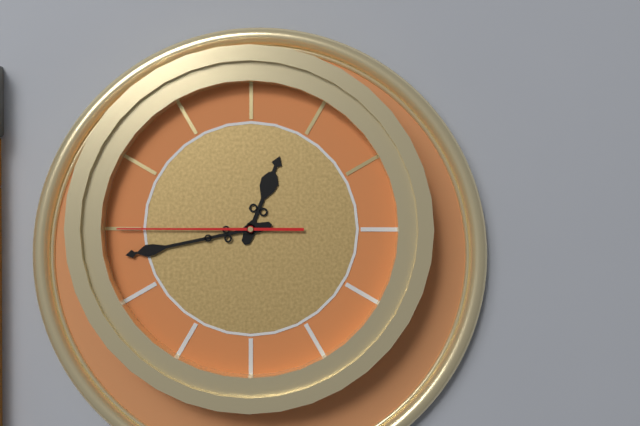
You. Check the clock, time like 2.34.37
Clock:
12.43.45
